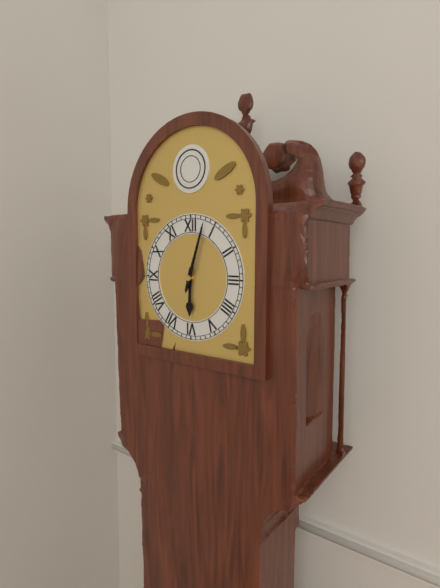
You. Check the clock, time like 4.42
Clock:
6.03
